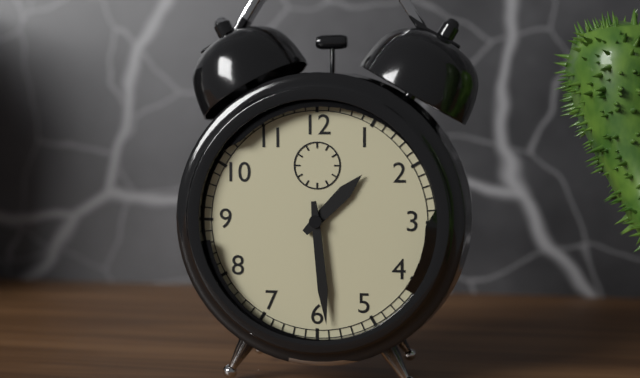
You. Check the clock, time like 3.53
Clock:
1.29
